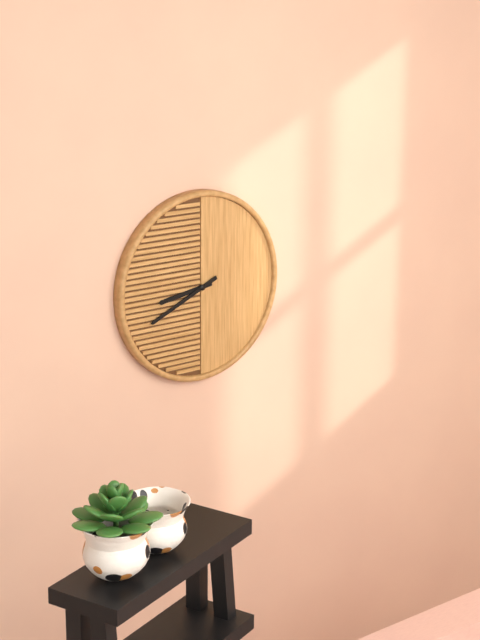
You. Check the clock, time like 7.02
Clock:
8.41
